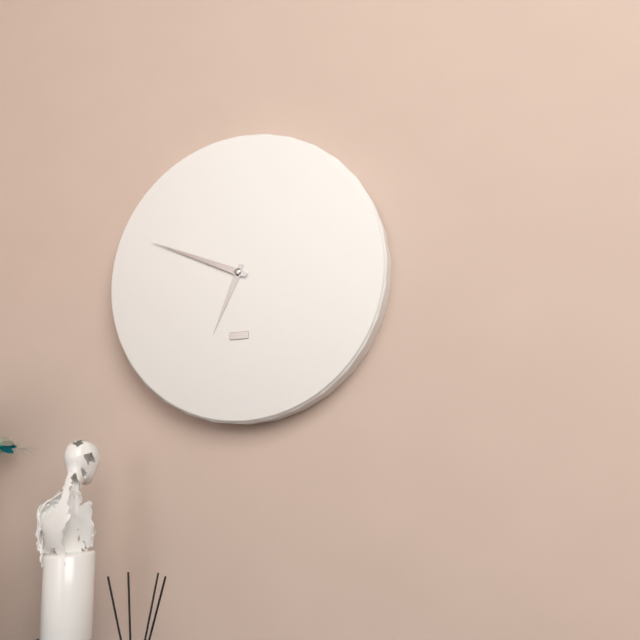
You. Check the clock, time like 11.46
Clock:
6.49
